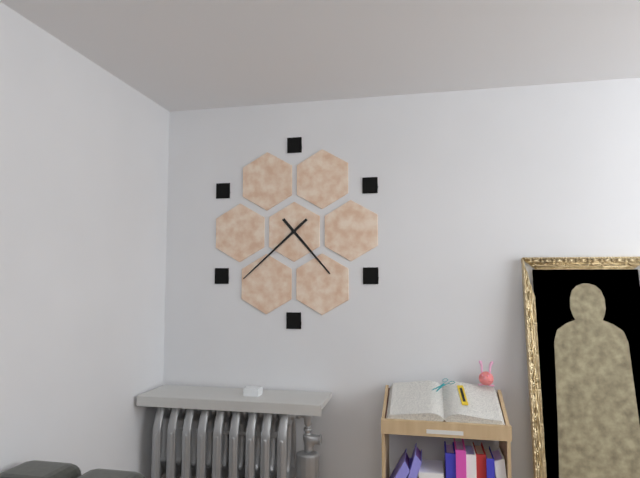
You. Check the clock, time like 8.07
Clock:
4.38
